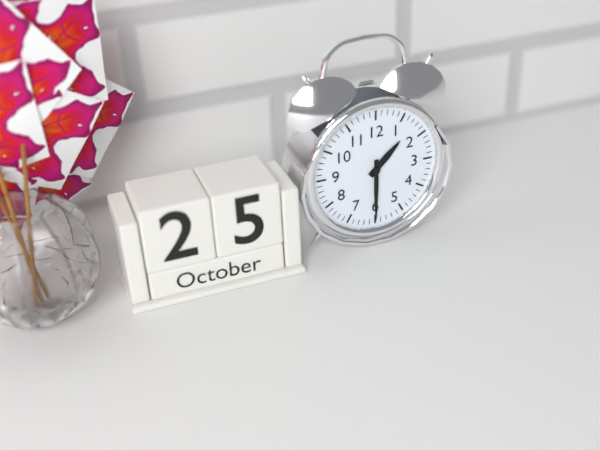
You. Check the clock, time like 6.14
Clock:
1.30
